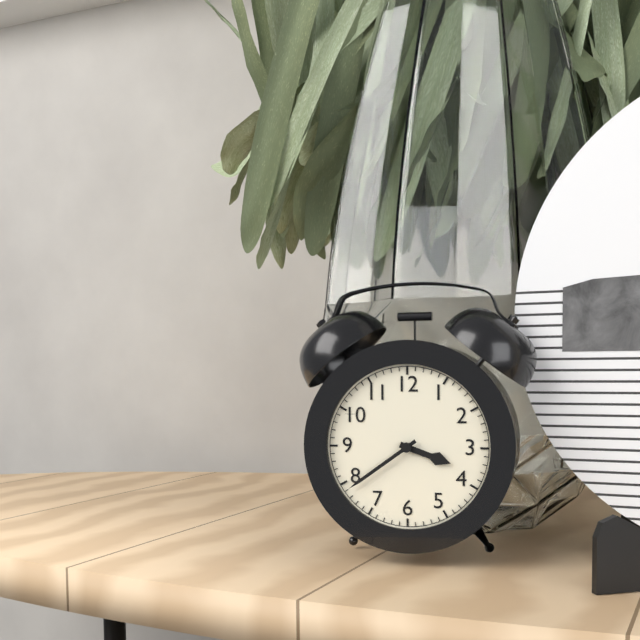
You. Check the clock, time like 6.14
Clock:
3.39
